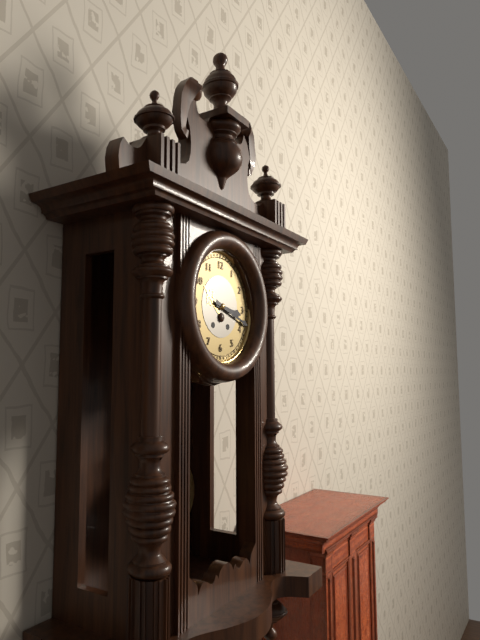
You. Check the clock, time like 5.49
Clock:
3.18
